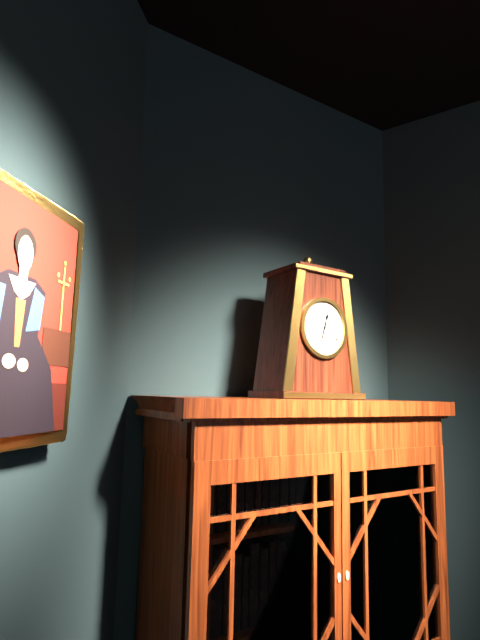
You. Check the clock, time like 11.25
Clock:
12.33
